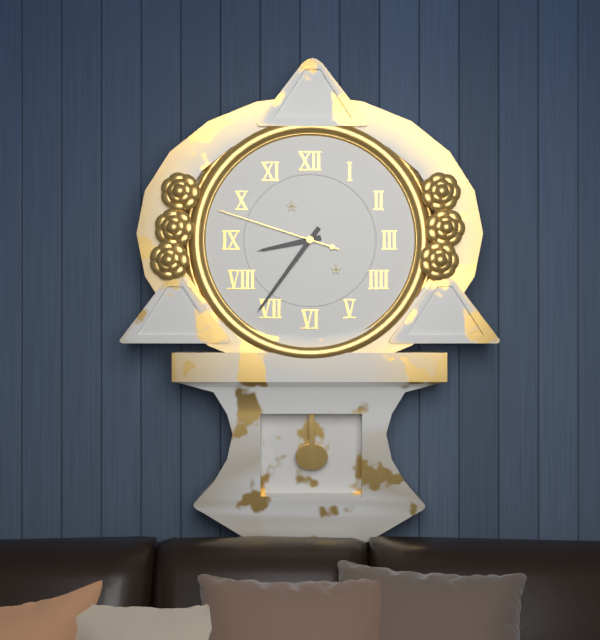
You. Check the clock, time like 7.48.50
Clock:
8.36.48
